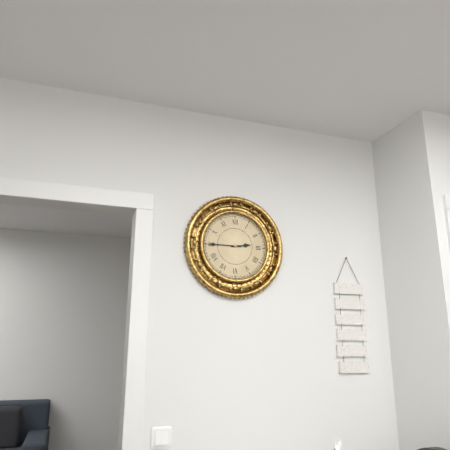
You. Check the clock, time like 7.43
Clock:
2.45
